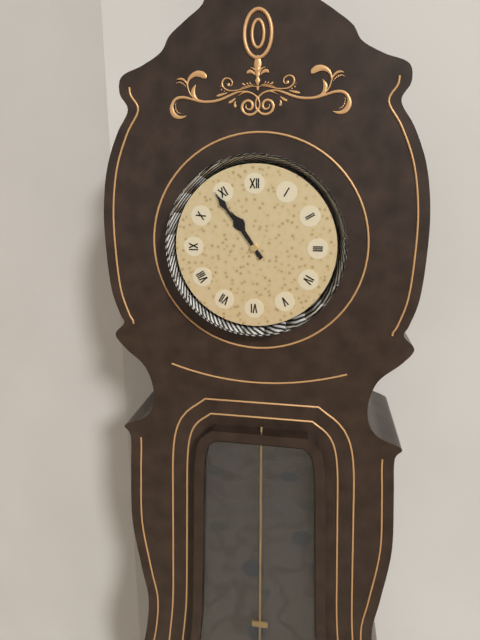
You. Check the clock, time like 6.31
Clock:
10.54
